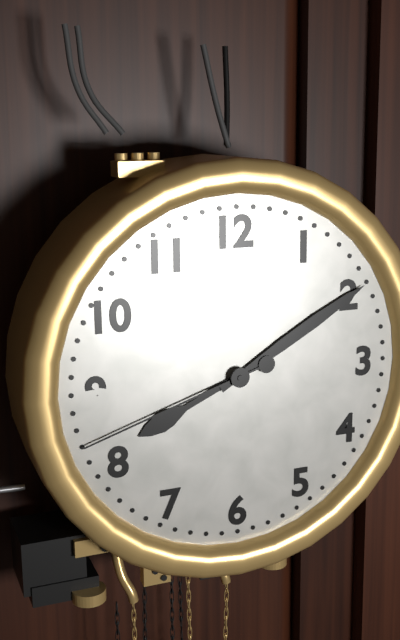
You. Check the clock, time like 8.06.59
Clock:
8.10.42
